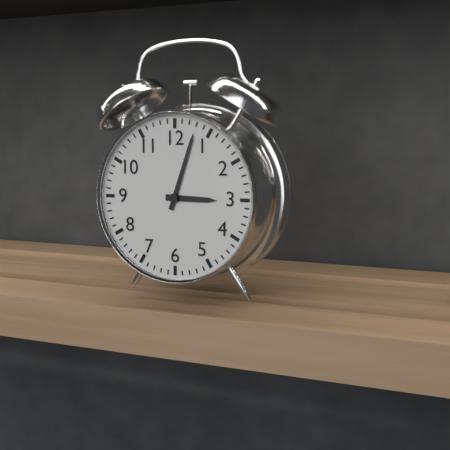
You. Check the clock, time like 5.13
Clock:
3.03
